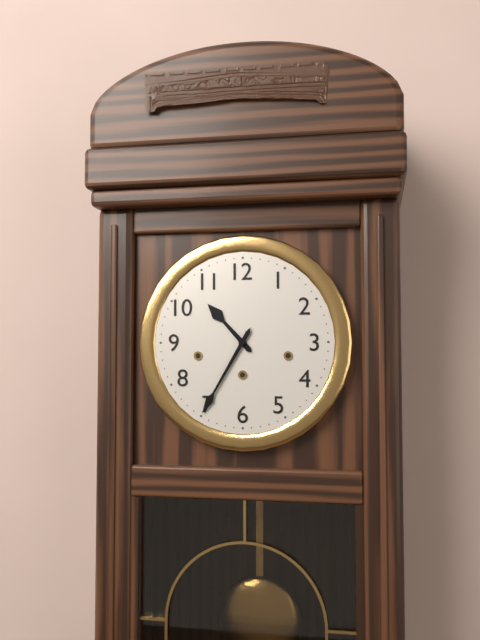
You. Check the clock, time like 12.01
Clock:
10.35
